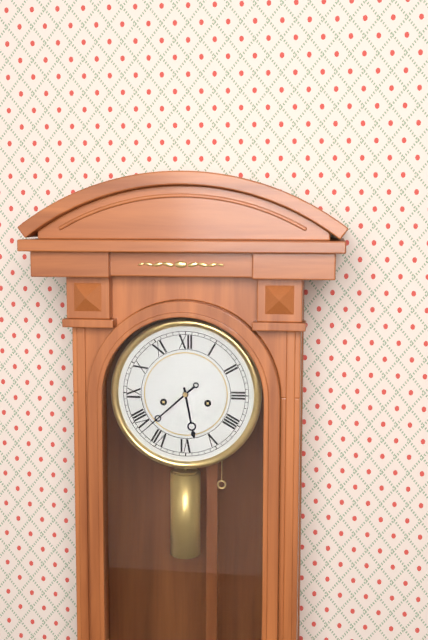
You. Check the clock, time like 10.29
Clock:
5.38
